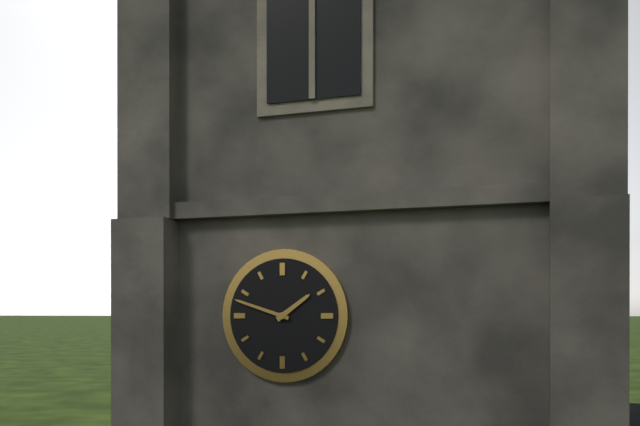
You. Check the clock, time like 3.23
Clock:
1.48
